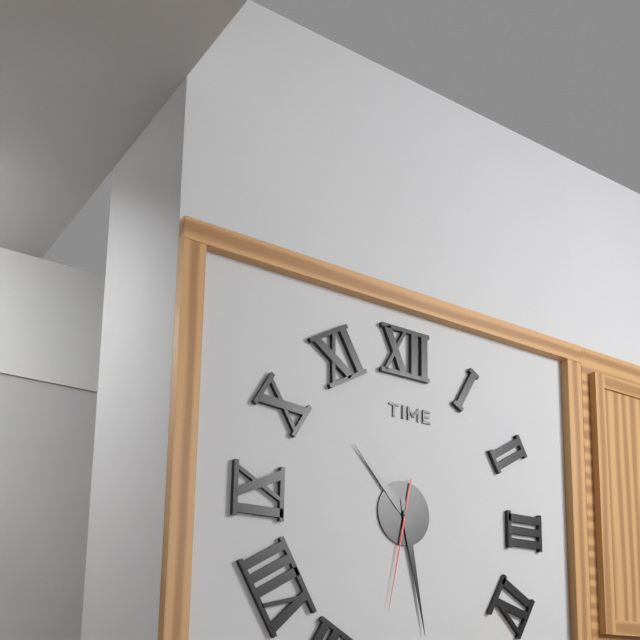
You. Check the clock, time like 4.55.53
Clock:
10.28.32
